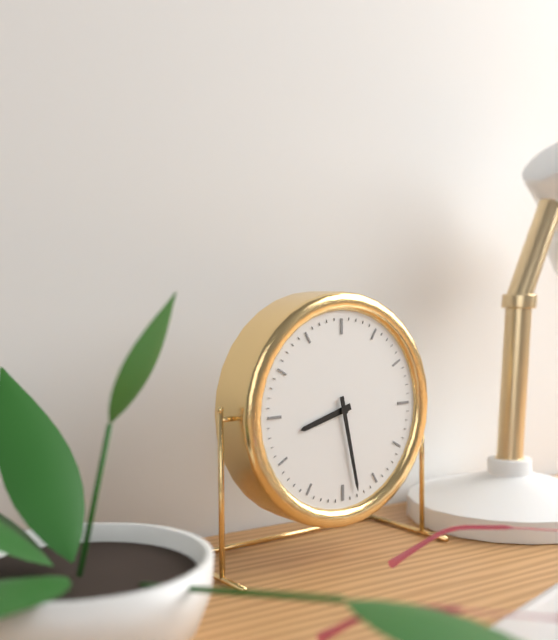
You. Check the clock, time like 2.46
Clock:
8.28
